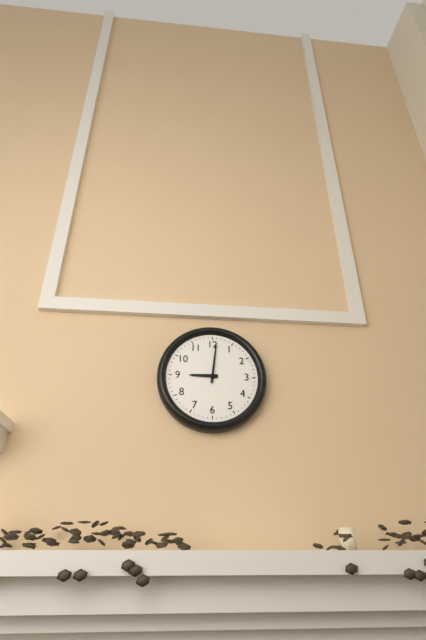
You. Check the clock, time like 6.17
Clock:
9.01
